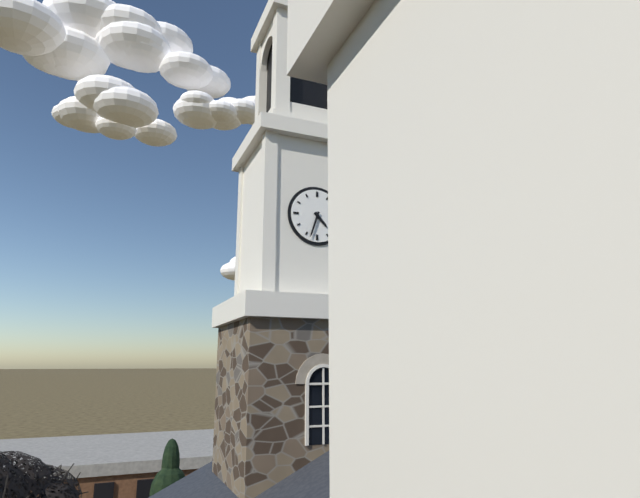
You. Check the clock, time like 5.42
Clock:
4.33
